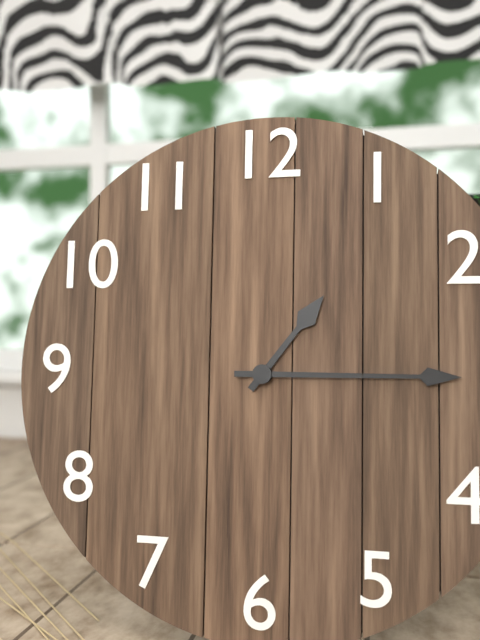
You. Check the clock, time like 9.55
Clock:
1.15
